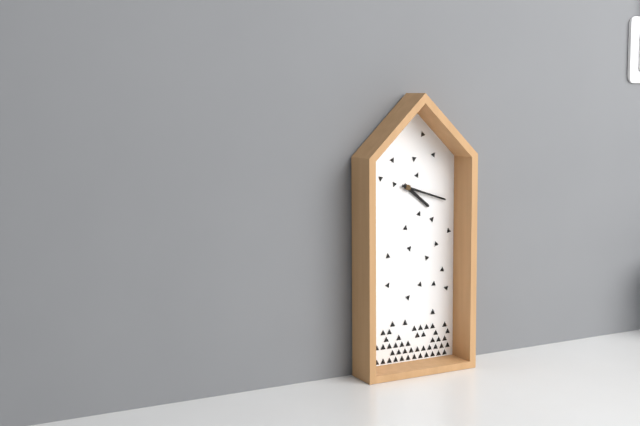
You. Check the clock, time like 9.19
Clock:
4.18
